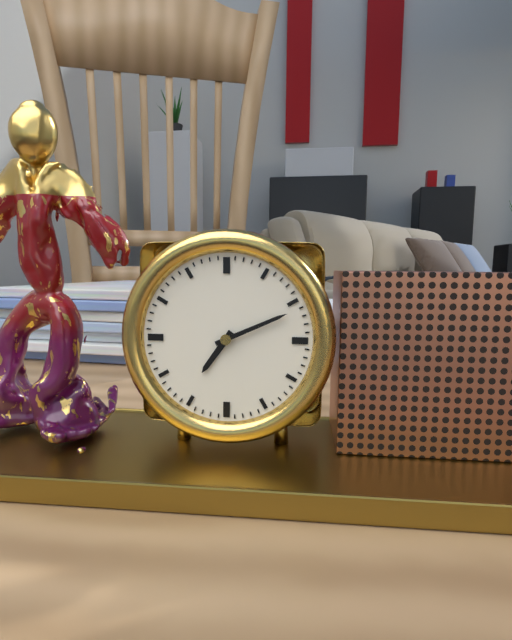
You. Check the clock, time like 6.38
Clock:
7.11
